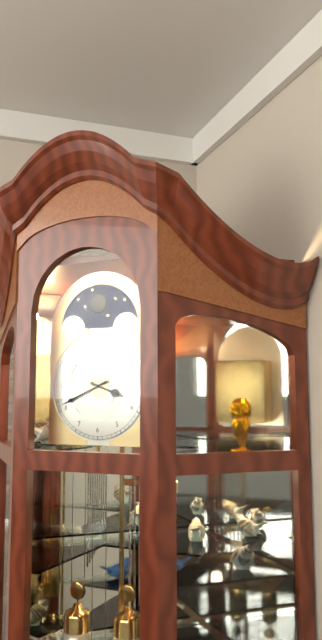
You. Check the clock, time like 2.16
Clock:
3.41
